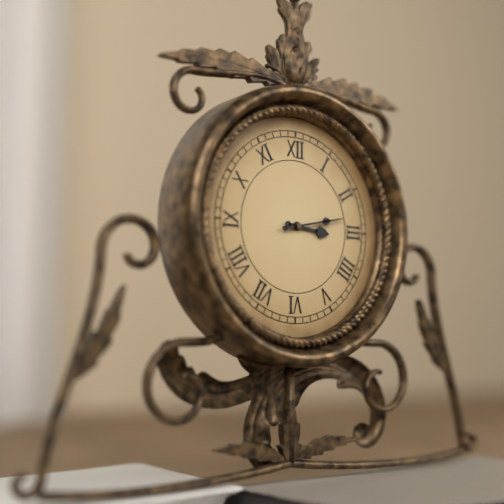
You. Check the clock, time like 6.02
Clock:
3.13
